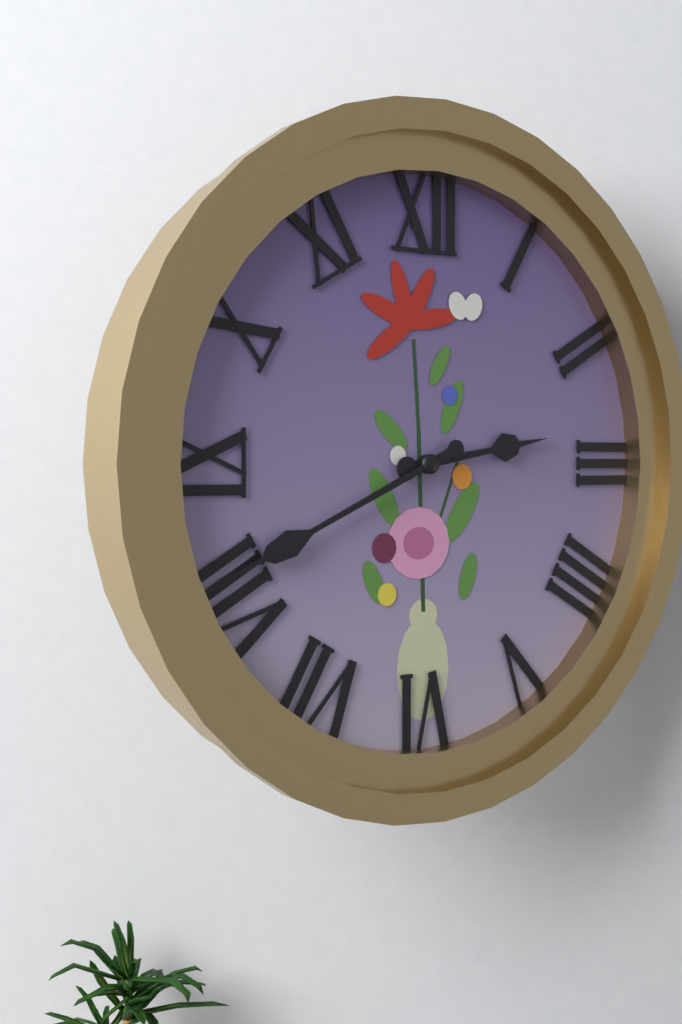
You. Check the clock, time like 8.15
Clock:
2.41
